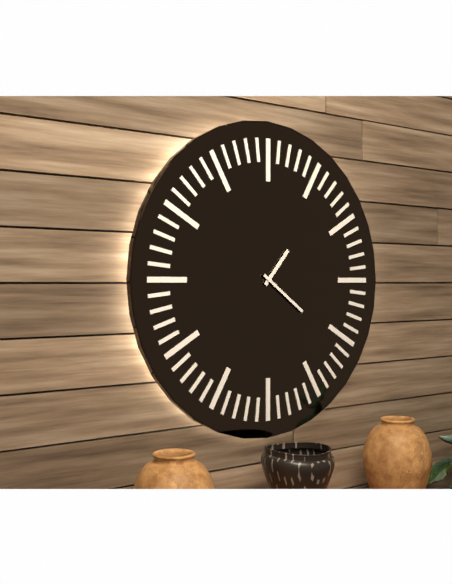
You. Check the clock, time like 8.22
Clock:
1.21
